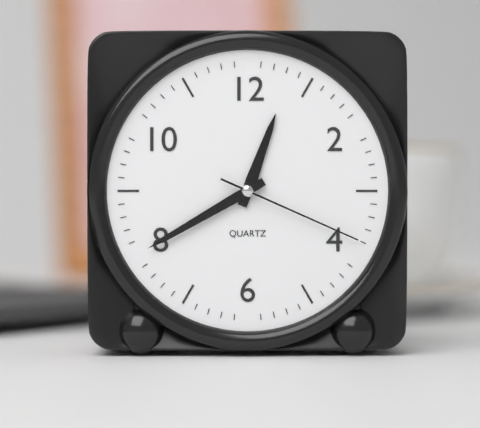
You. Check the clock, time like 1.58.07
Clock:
12.40.19
